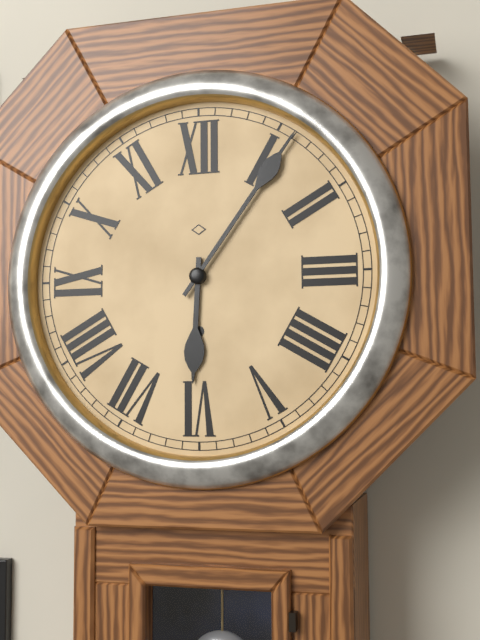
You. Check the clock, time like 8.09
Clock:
6.06
